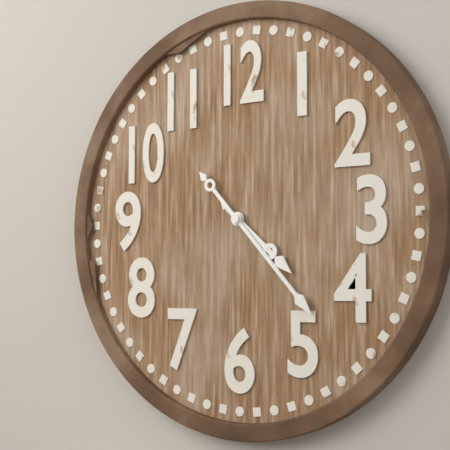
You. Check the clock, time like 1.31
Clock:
4.23
